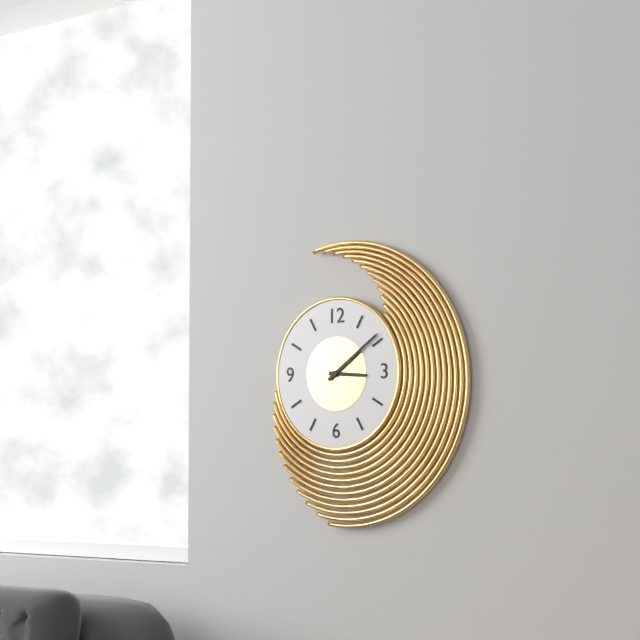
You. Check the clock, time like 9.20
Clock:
3.09
